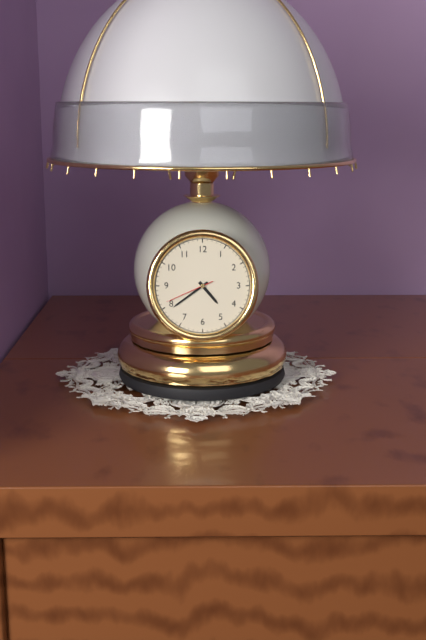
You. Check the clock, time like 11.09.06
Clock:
4.39.41
